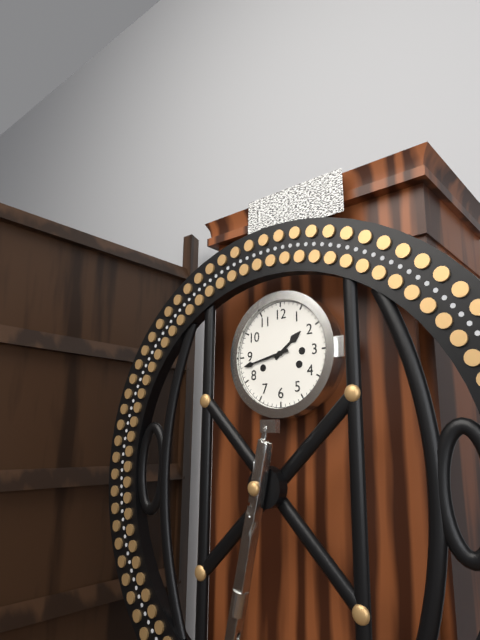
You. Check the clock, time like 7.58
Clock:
1.43
